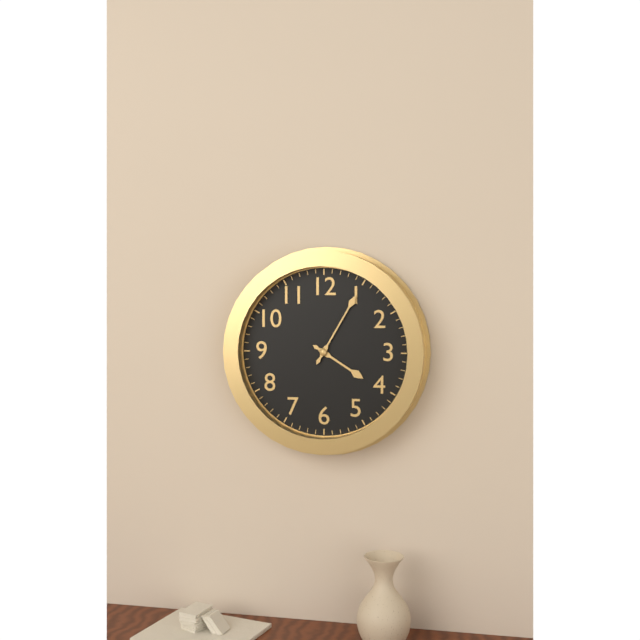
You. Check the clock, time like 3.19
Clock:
4.05
